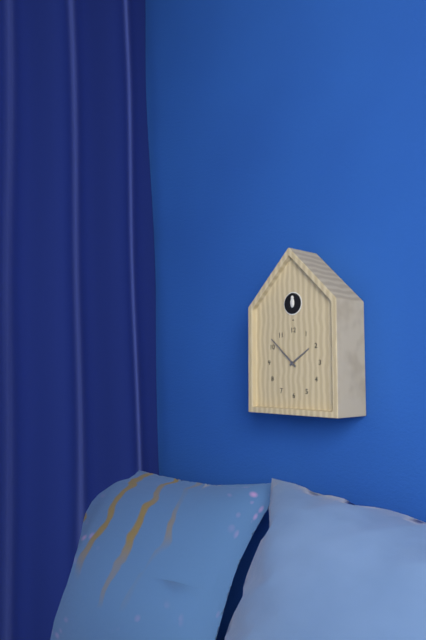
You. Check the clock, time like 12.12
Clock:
1.52
